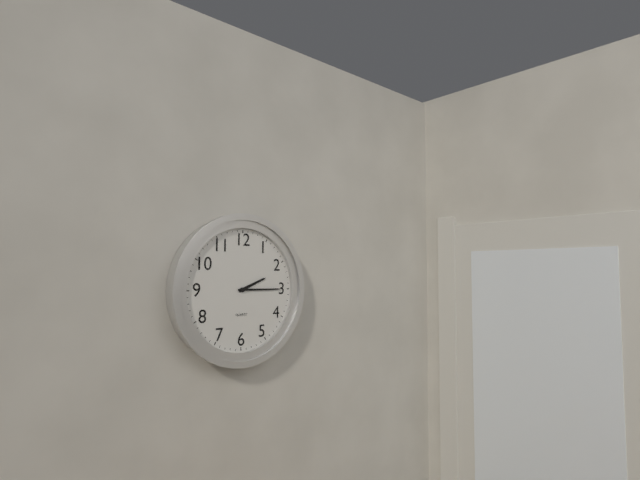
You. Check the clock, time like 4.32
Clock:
2.15
